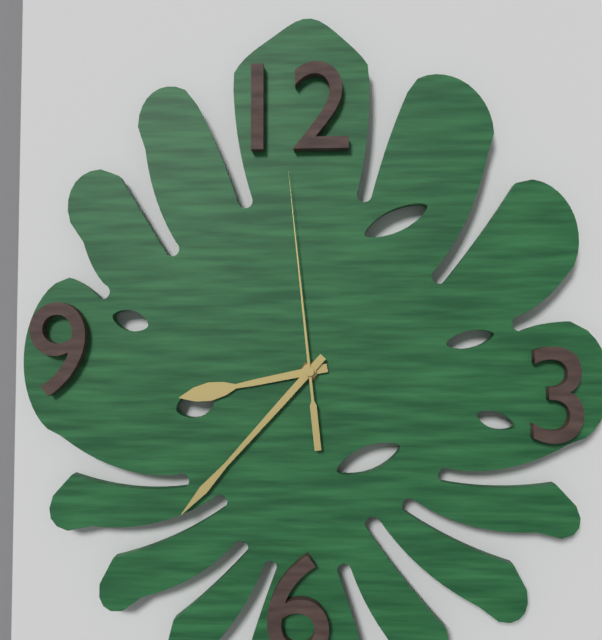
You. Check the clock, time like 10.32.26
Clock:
8.37.59
